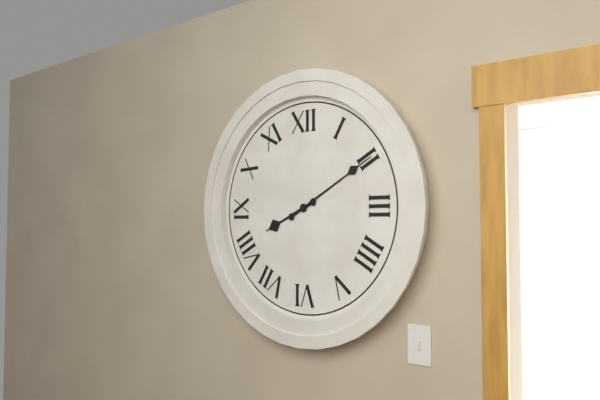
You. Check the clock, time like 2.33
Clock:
8.10
